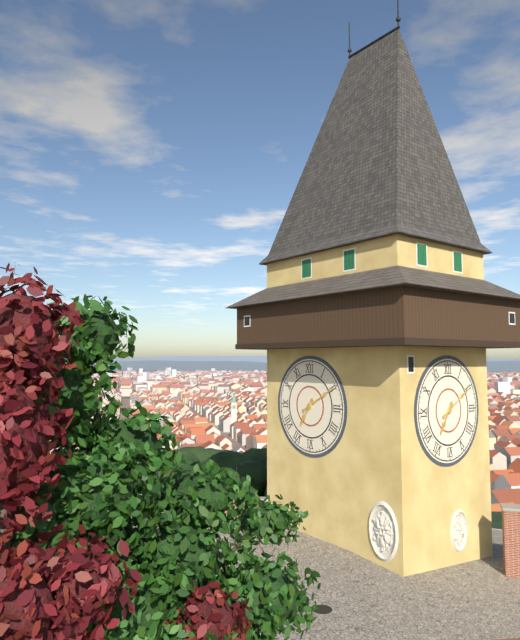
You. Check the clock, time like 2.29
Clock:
7.10
